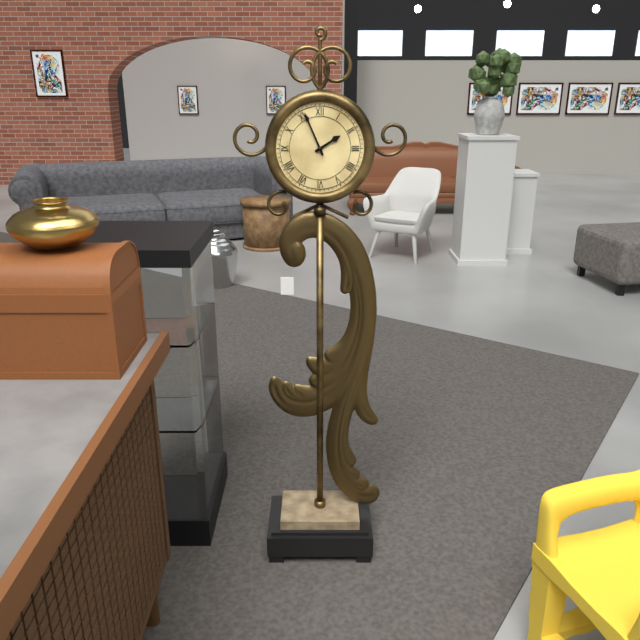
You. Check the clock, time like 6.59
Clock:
1.56
